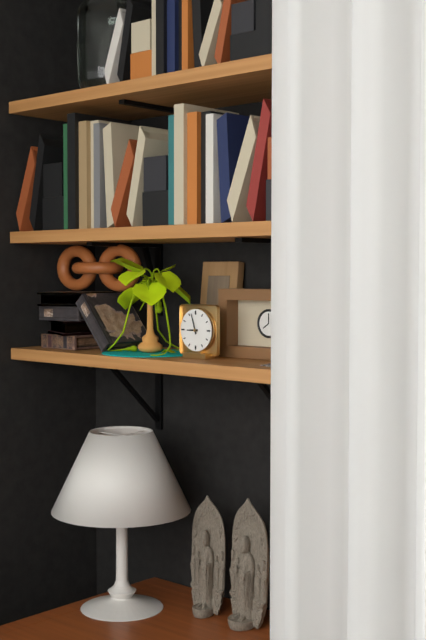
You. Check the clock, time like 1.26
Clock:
8.57
